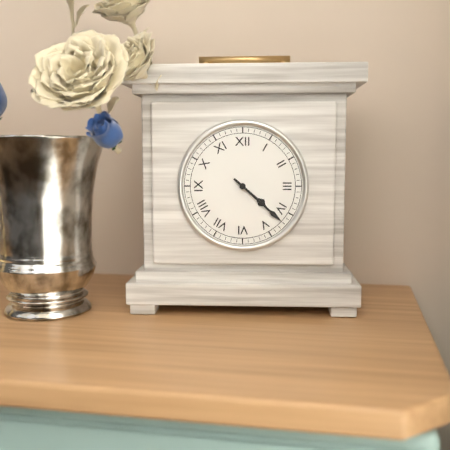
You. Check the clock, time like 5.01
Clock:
4.22
